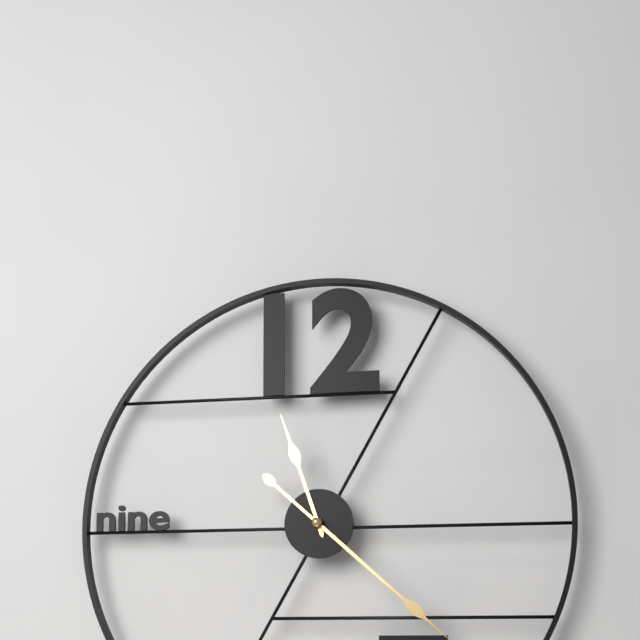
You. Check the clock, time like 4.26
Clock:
11.22
